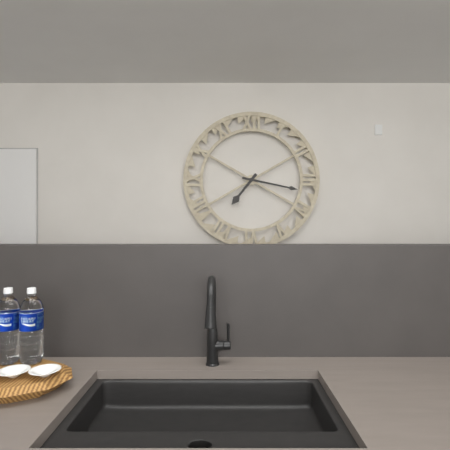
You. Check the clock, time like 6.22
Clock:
7.17
